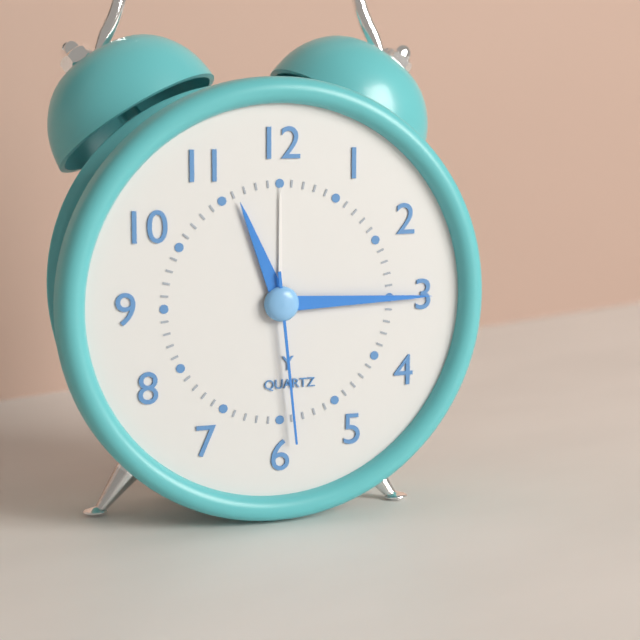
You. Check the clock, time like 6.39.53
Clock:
11.15.29
